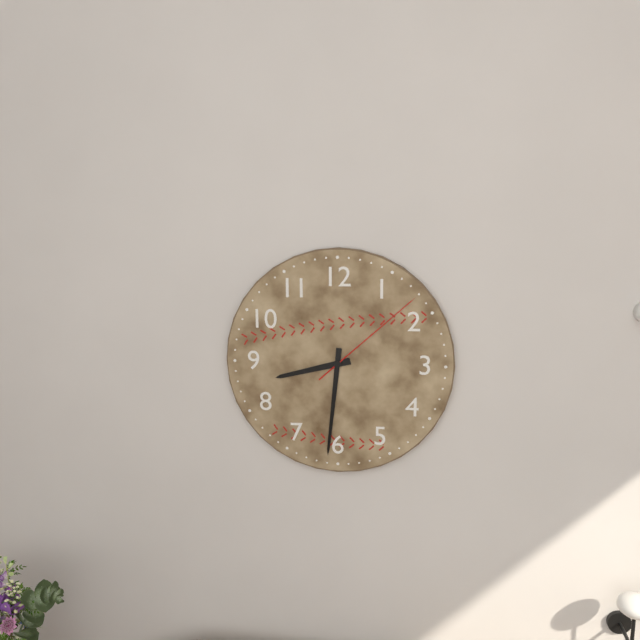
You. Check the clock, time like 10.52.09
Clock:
8.31.08
